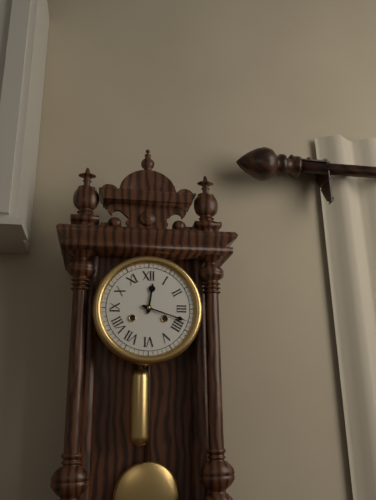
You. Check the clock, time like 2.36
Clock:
12.18
